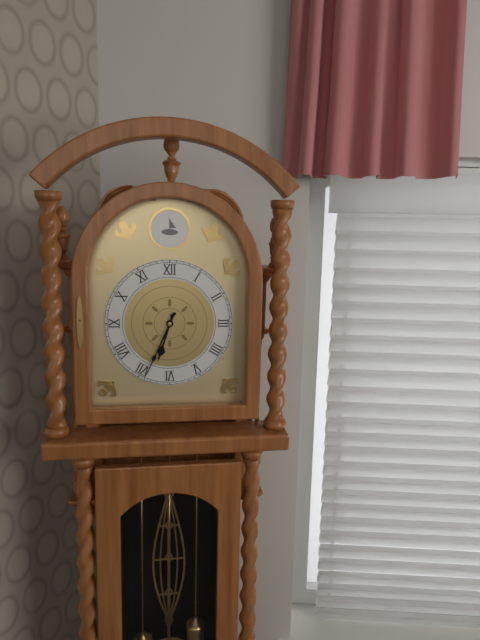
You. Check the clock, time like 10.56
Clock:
6.34
